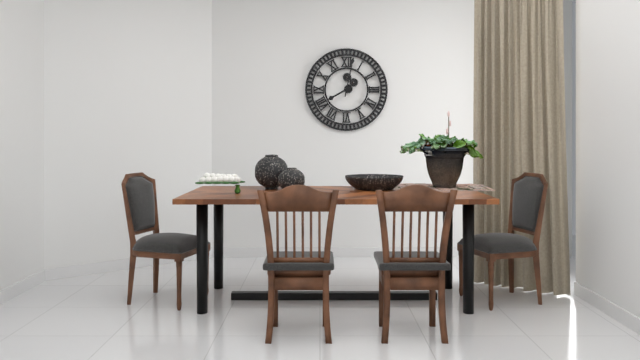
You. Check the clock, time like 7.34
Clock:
8.02
